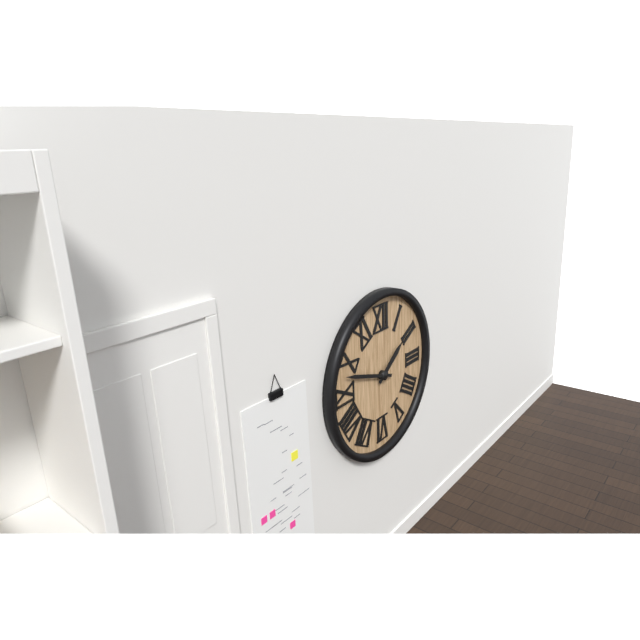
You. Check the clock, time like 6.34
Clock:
1.48
